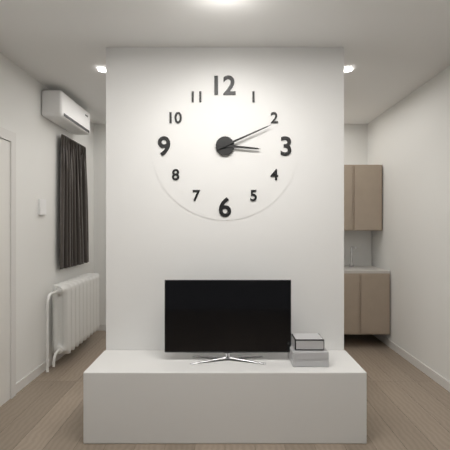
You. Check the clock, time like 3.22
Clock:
3.11
